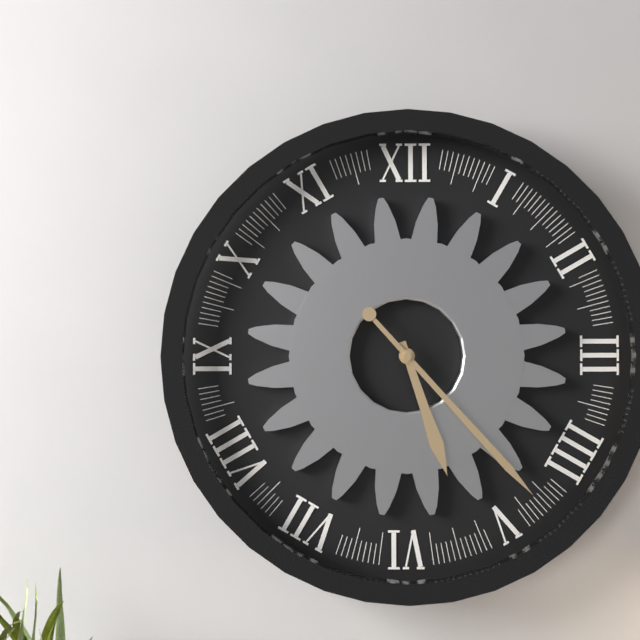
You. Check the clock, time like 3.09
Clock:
5.23
